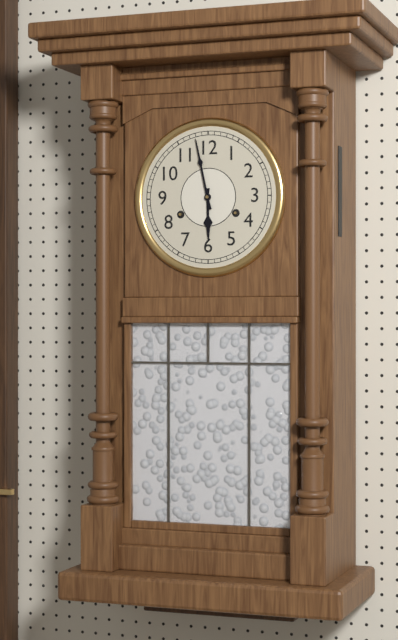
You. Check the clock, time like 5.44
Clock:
5.58
